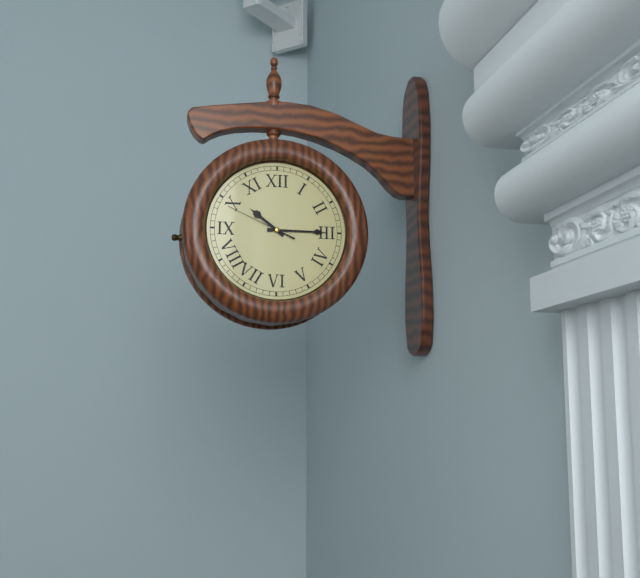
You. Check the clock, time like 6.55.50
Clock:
10.15.49
